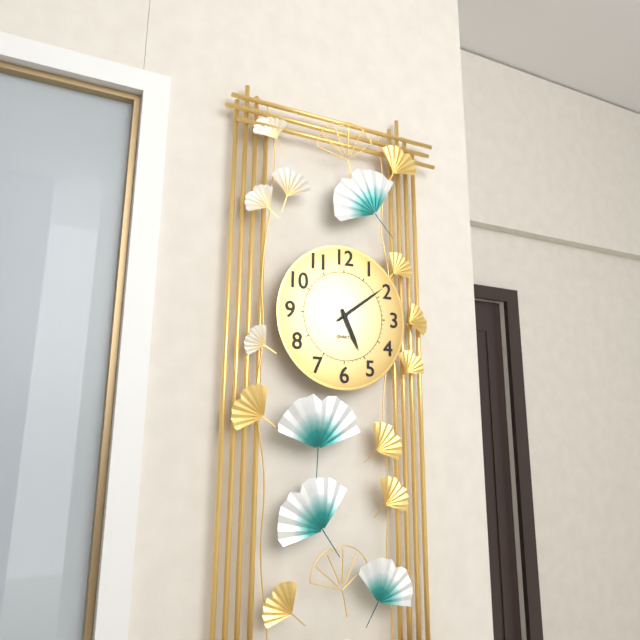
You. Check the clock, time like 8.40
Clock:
5.09
